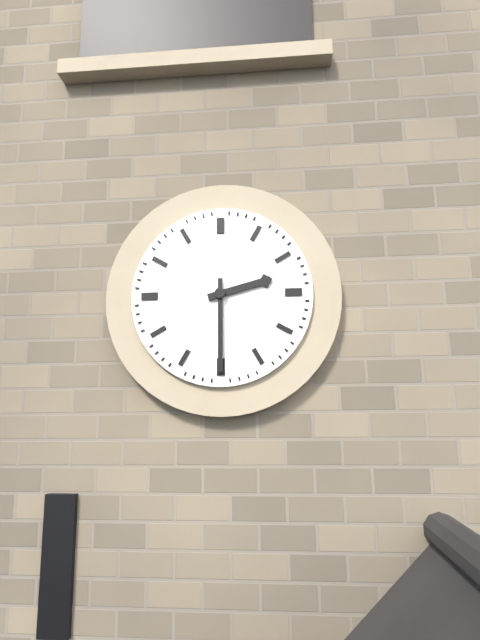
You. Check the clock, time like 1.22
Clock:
2.30
